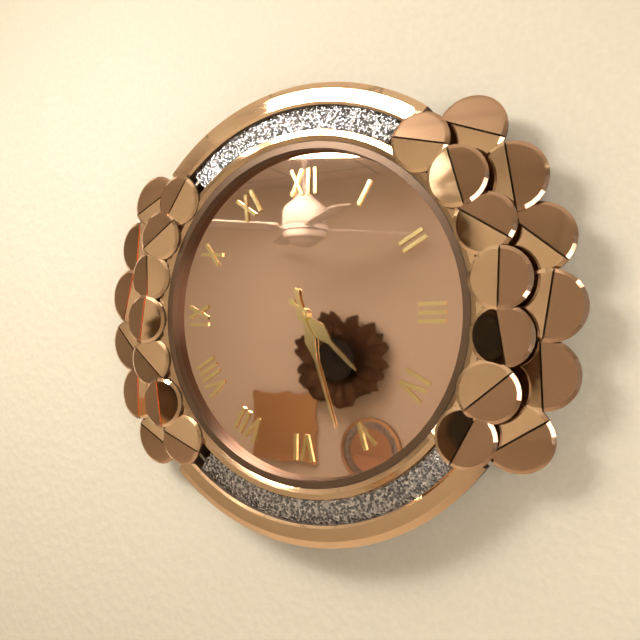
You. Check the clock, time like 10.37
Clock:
4.27
